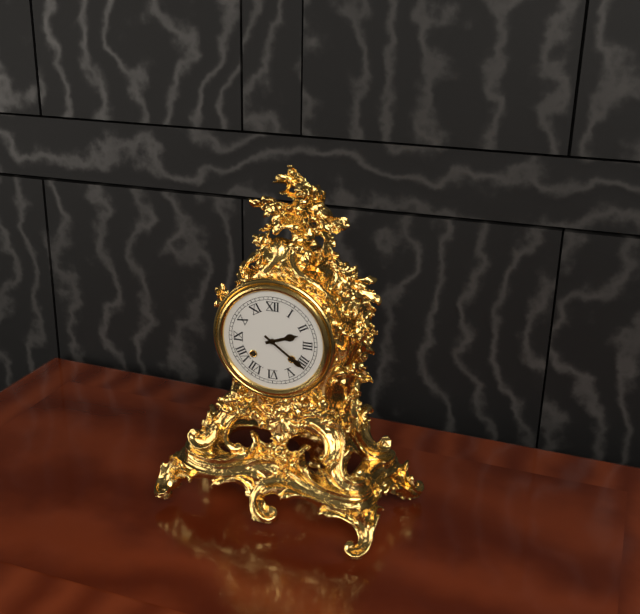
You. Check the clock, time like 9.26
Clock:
2.21
